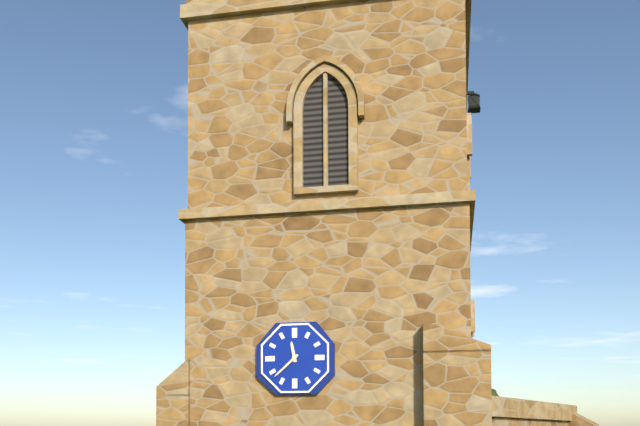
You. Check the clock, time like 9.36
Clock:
11.38
